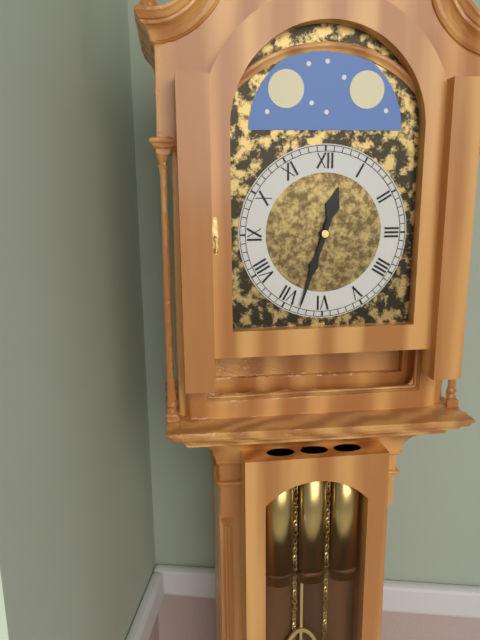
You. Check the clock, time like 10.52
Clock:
12.33
